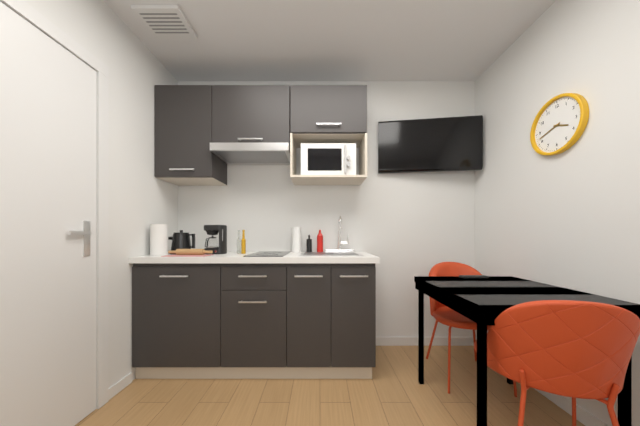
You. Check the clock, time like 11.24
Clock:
3.42
